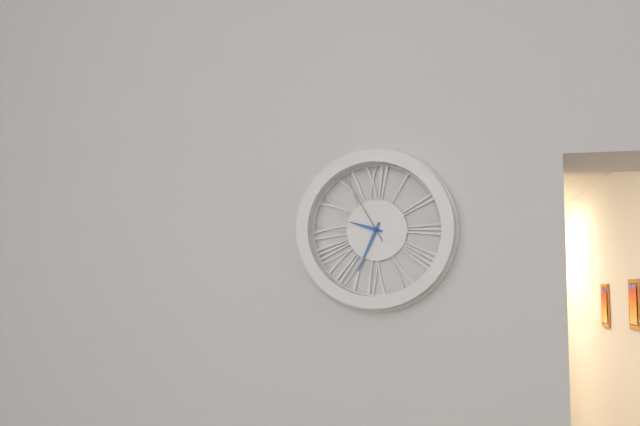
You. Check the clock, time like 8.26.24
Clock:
9.34.55
